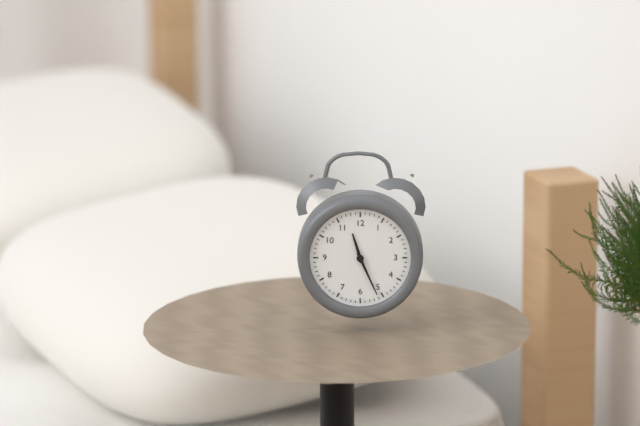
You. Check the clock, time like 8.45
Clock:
11.26
